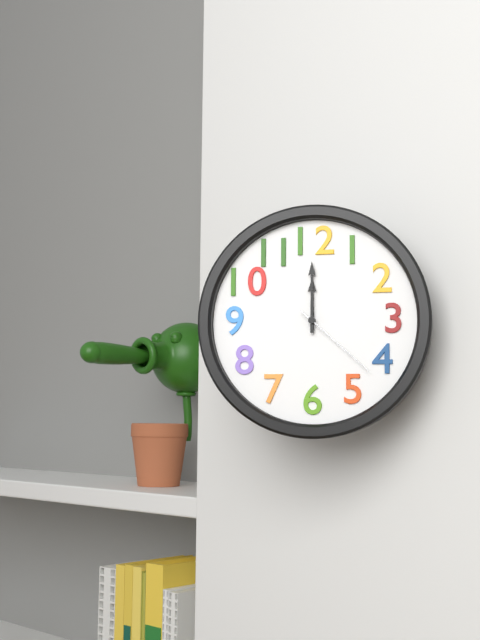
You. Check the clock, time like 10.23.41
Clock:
12.00.22
